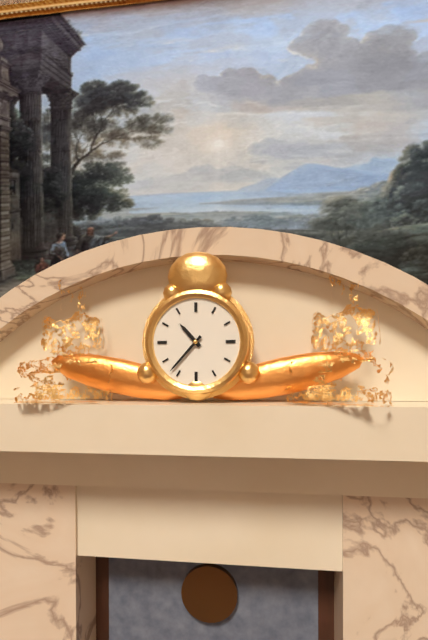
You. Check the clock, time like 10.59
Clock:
10.37
